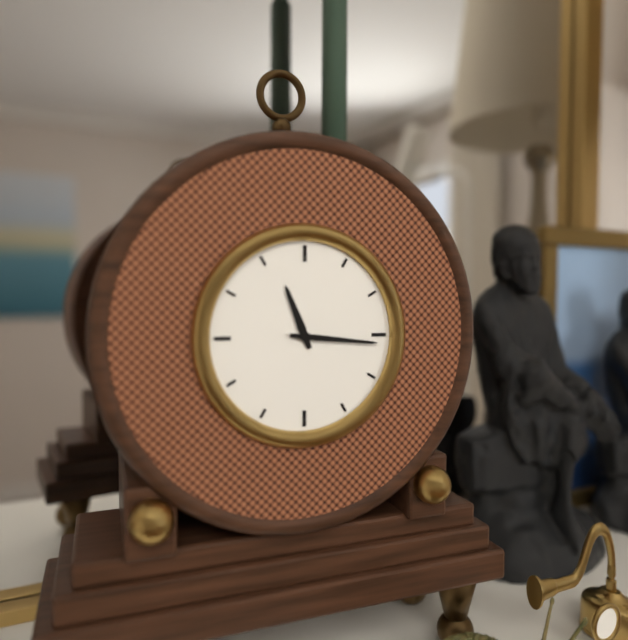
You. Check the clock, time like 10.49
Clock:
11.16
